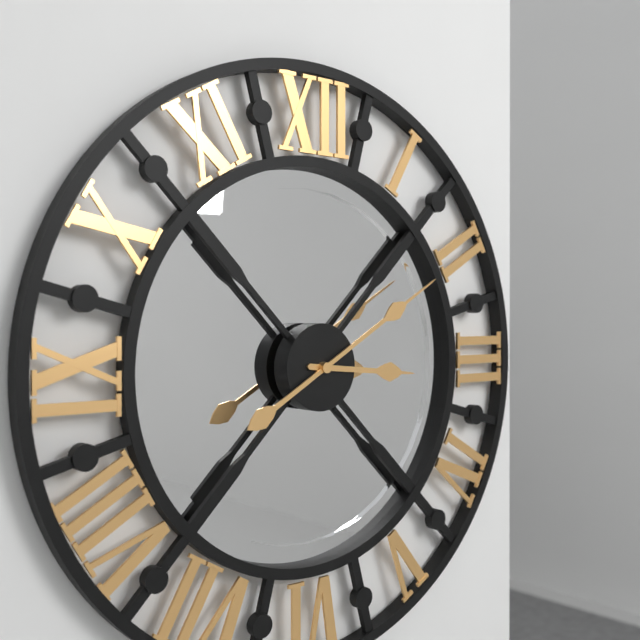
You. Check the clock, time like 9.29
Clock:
3.10
